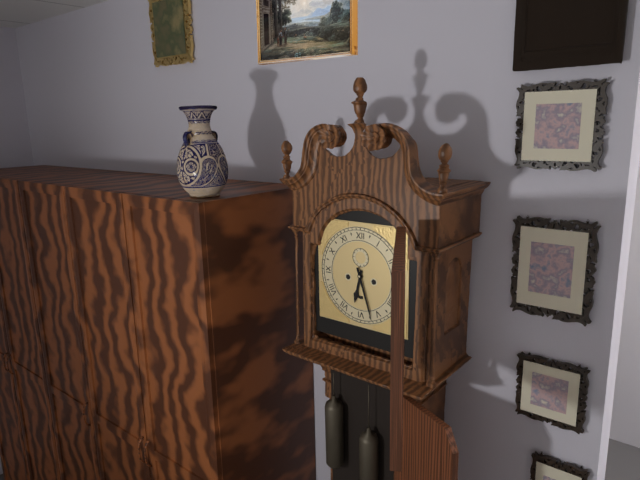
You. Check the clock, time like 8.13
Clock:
6.27
